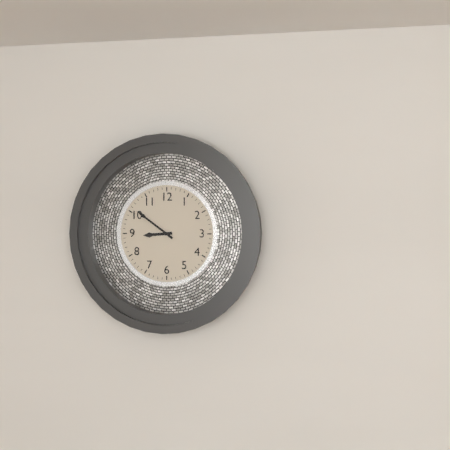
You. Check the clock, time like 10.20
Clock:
8.51
